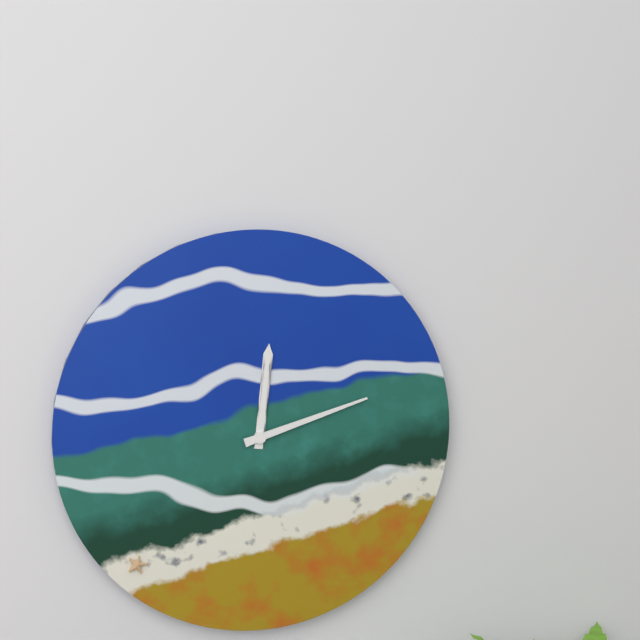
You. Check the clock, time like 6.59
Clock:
12.12
